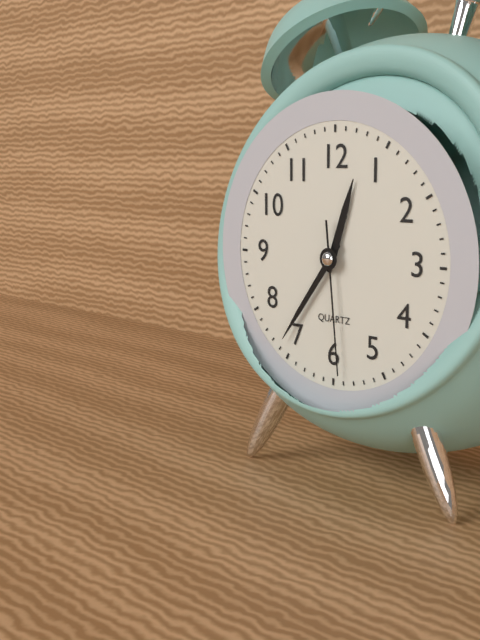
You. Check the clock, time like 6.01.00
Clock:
12.36.29
